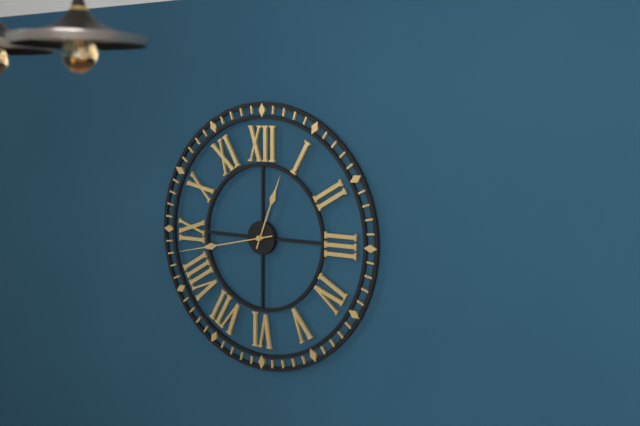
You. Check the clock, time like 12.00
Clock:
12.43
